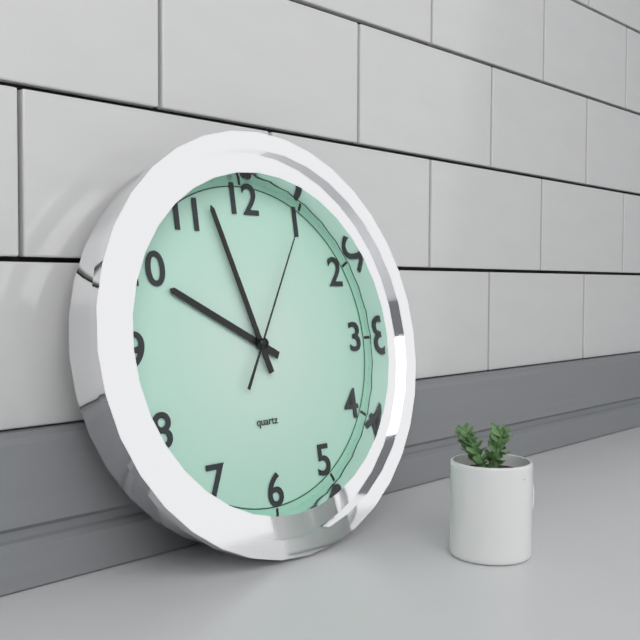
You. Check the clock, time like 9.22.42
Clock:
9.57.05
